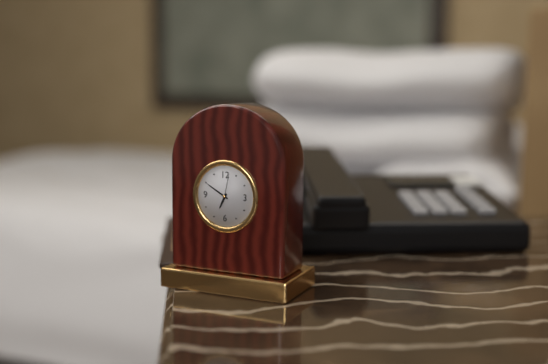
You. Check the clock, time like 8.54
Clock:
6.50
